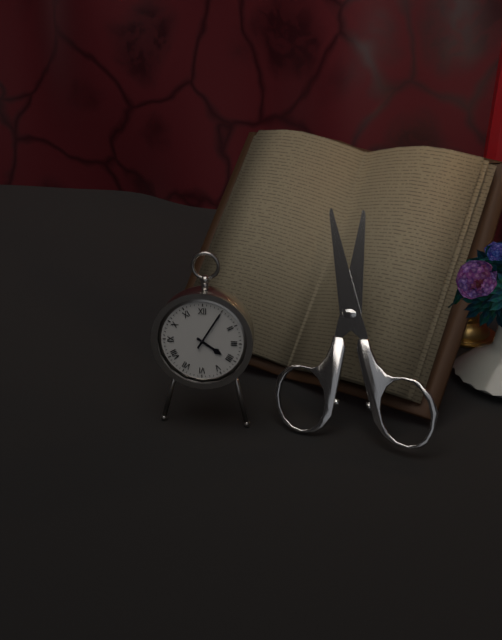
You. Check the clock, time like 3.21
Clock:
4.05
